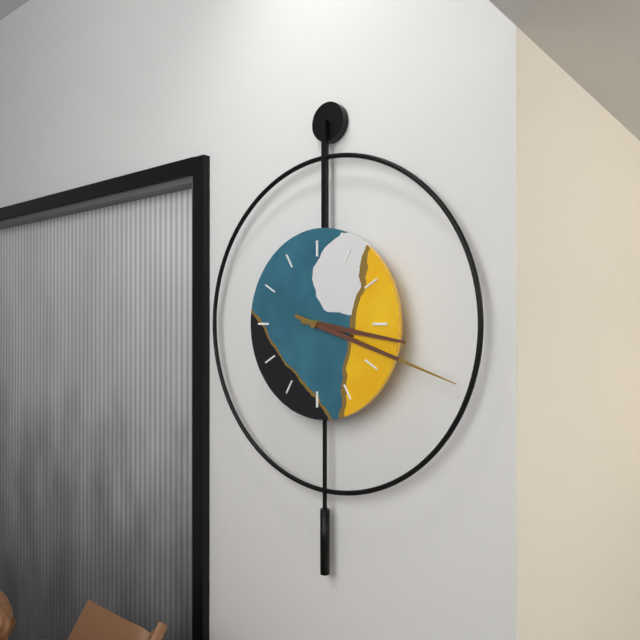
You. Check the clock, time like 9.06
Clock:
3.18
